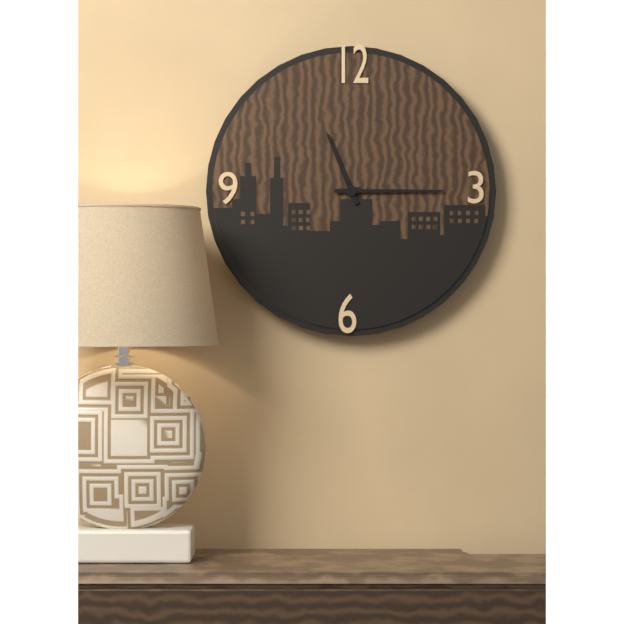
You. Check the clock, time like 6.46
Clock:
11.15
